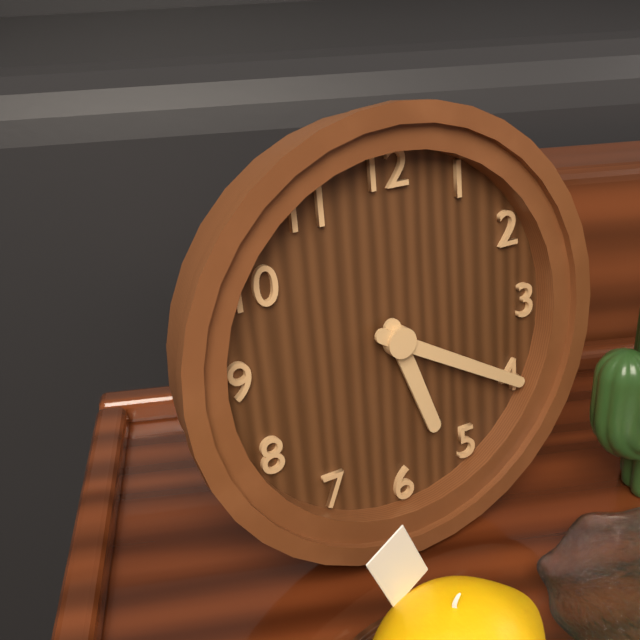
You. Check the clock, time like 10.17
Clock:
5.20
